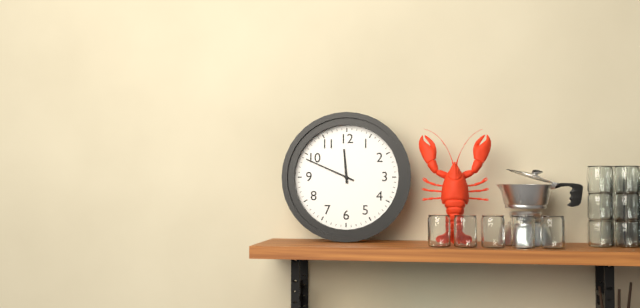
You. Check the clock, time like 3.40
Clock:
11.49
